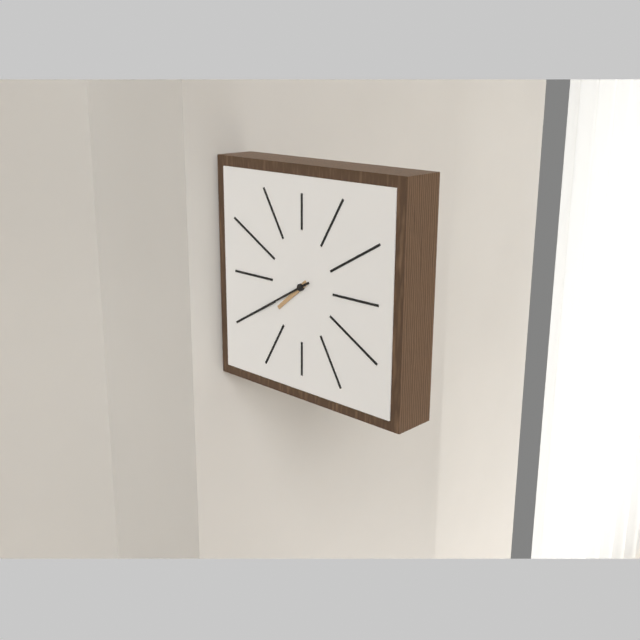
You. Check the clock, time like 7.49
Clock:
7.40
